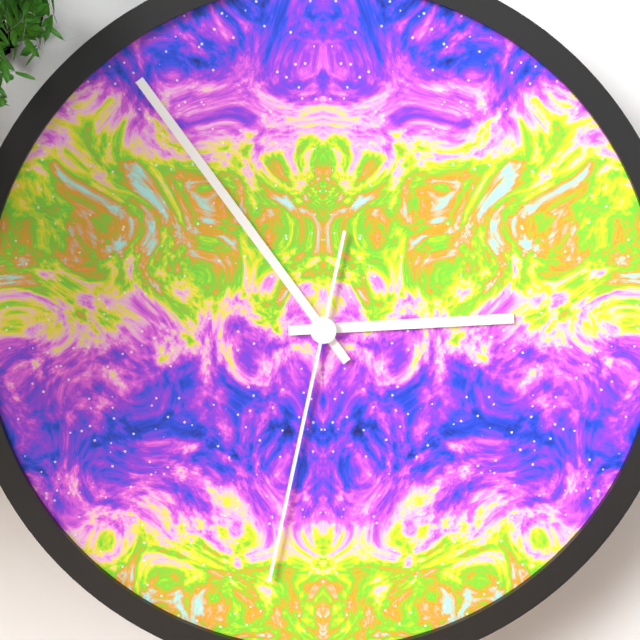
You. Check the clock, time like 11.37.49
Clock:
2.54.32
